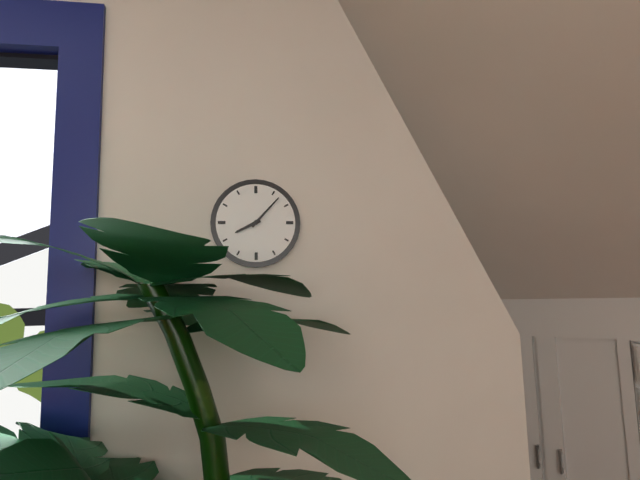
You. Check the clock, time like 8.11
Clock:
8.07
